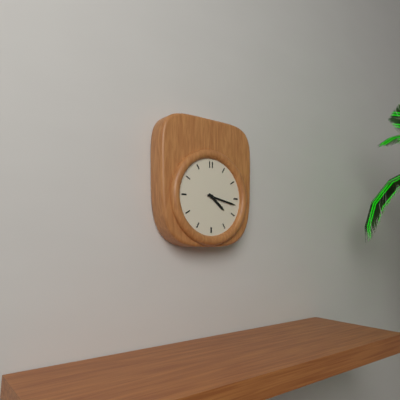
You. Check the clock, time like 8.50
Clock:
4.17
